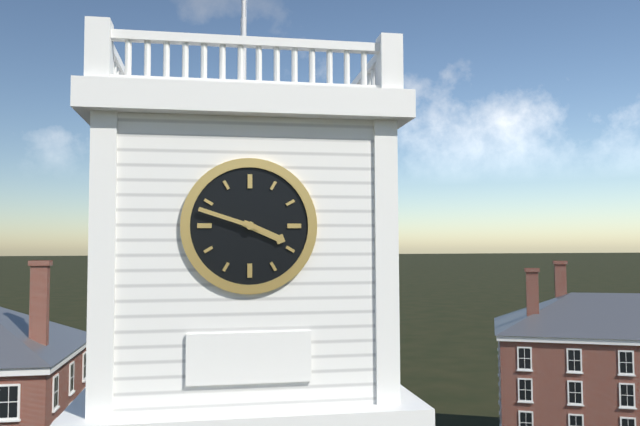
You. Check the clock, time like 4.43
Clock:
3.48
